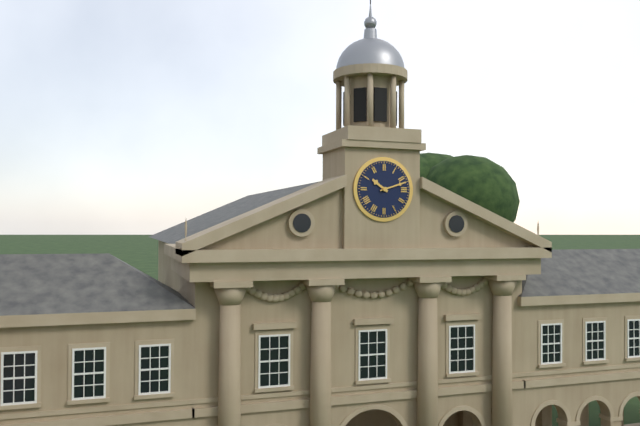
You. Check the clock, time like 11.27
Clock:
10.12
